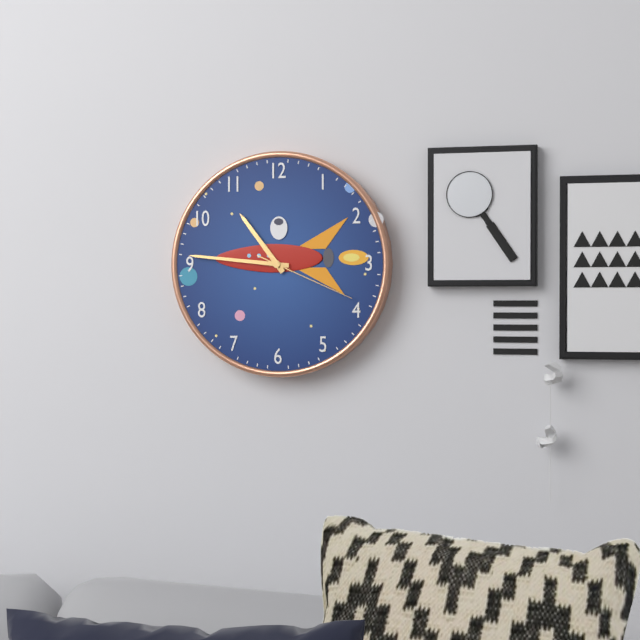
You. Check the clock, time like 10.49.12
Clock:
10.46.19
